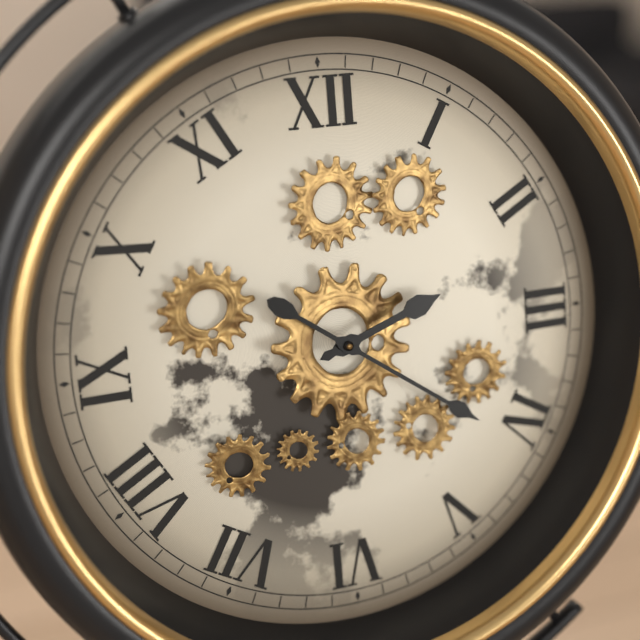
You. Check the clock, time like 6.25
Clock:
2.21
